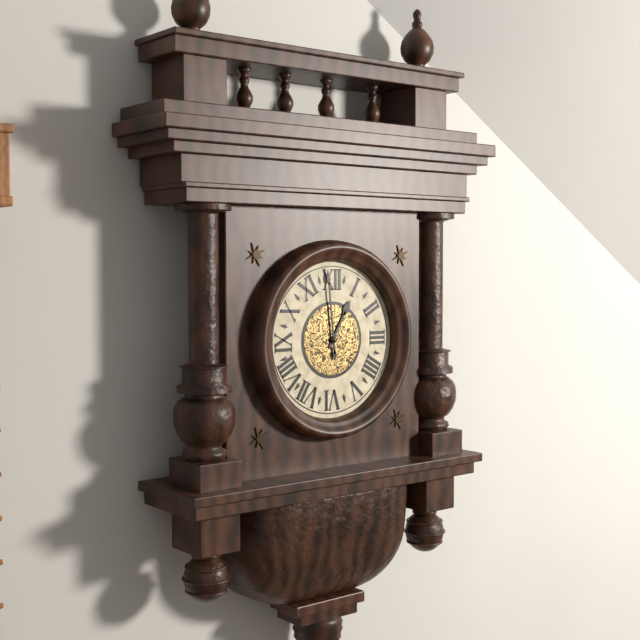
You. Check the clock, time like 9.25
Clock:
12.59
